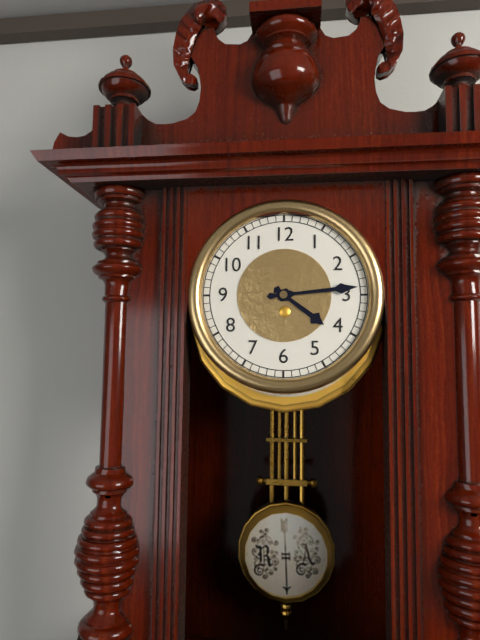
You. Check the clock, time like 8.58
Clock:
4.14
